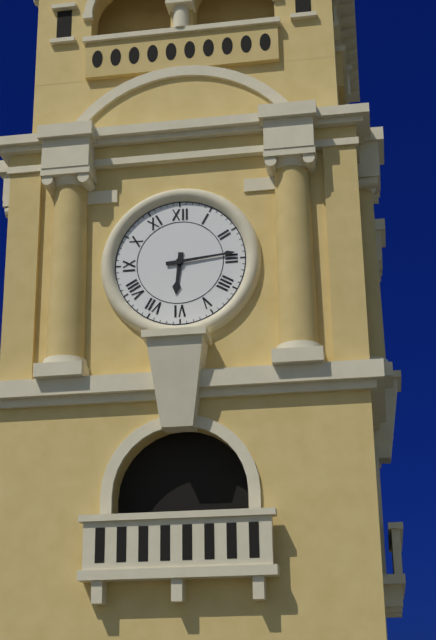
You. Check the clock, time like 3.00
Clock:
6.14
